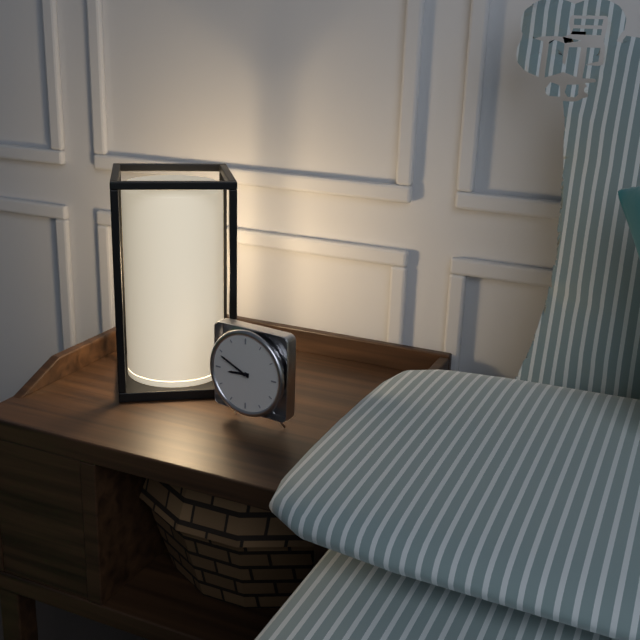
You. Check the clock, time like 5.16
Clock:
8.49
